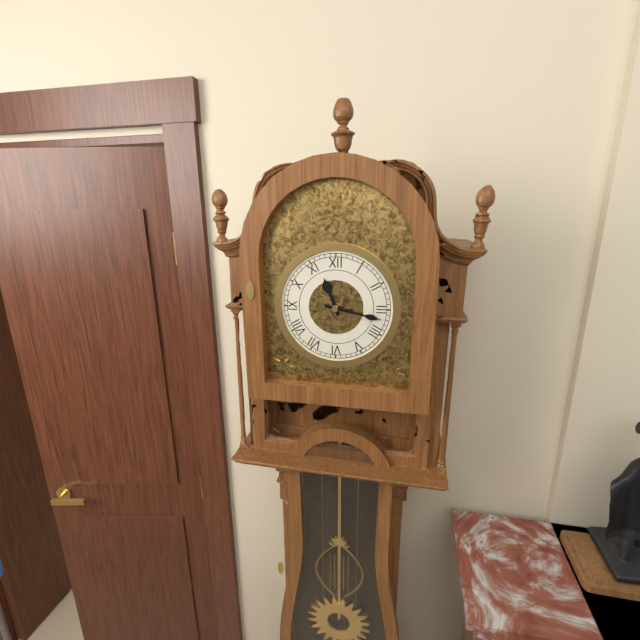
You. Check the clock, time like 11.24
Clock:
11.17
